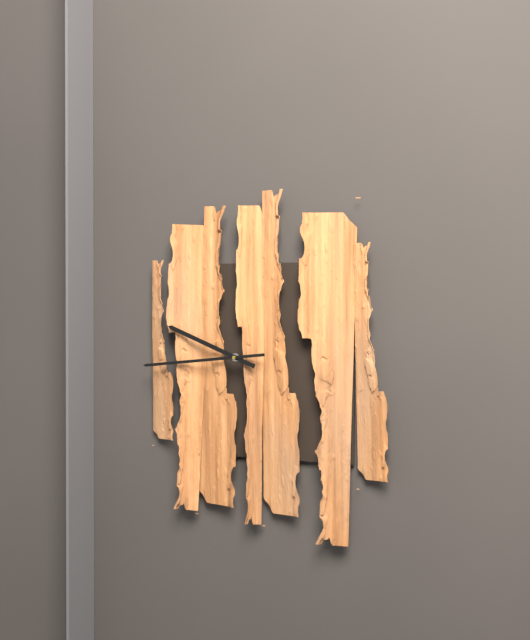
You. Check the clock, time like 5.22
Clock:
9.44
